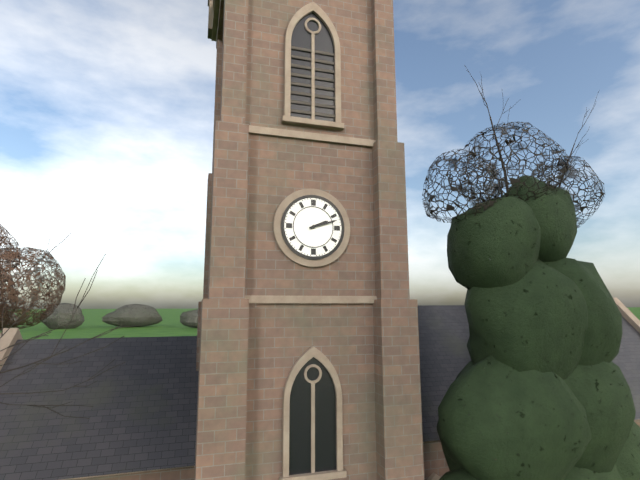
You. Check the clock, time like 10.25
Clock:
2.12
